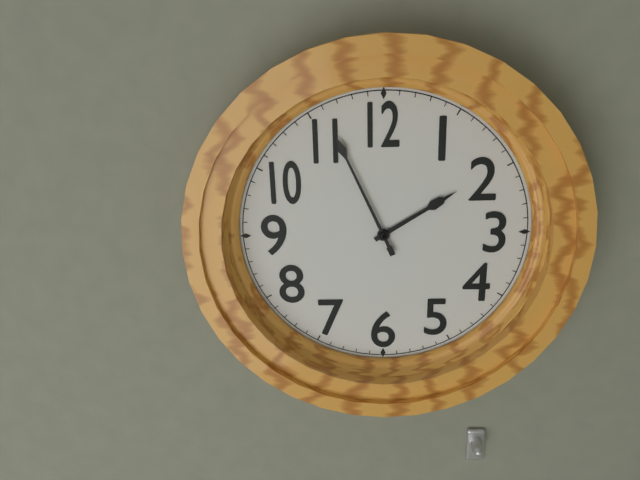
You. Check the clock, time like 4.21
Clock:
1.56
